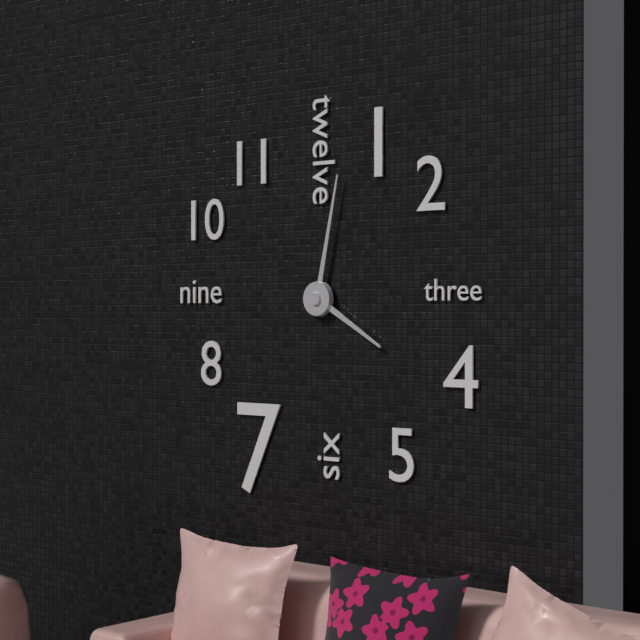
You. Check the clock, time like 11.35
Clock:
4.02
